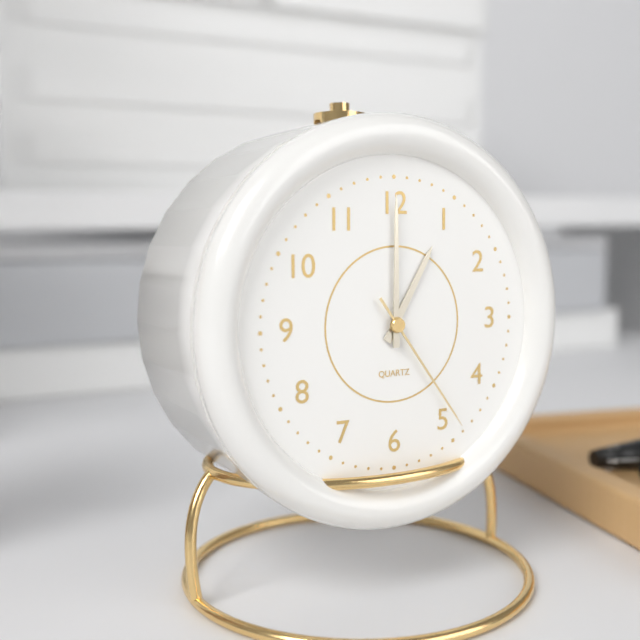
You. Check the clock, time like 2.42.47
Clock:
1.00.24
